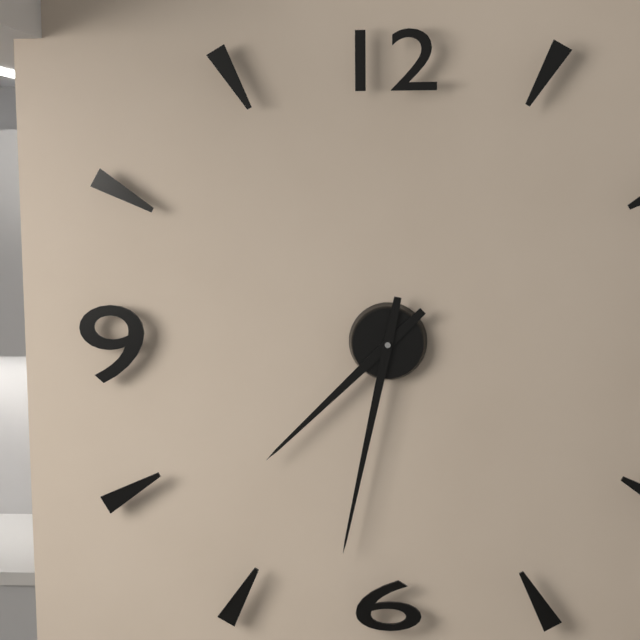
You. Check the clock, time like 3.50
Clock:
7.32
